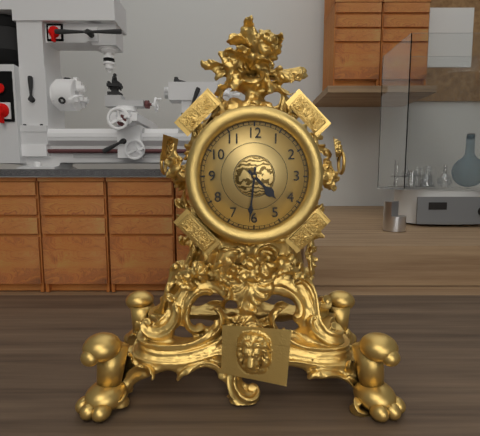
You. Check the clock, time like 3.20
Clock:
4.31
